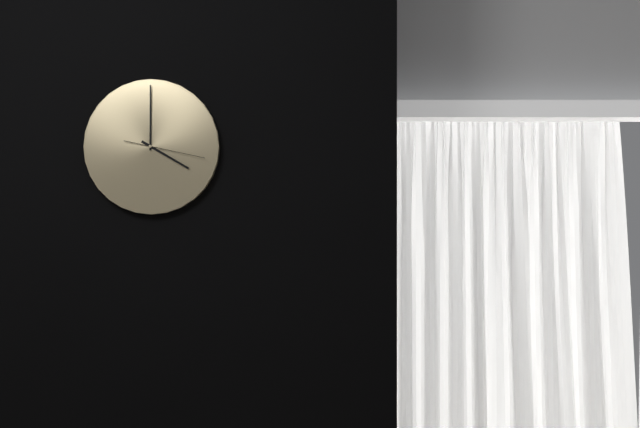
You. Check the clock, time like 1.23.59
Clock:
4.00.17
